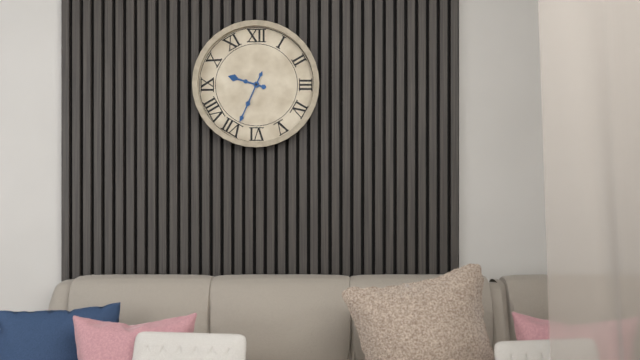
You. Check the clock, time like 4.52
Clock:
9.34
